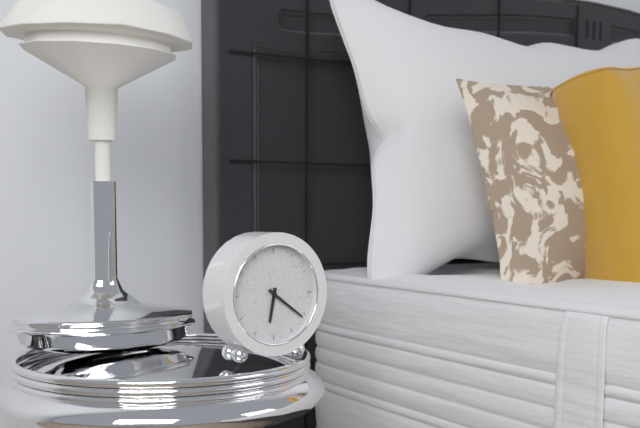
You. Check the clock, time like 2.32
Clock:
6.21
